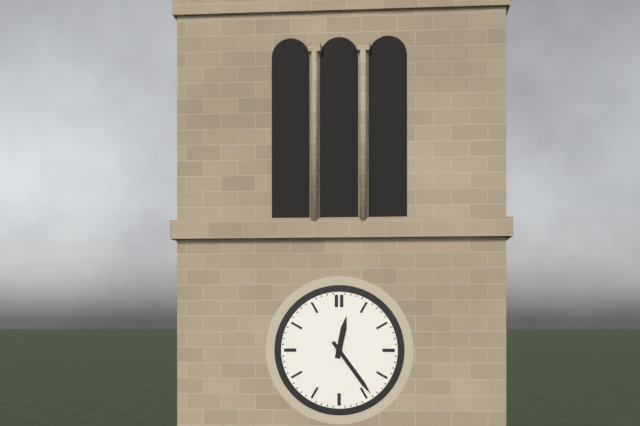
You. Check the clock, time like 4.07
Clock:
12.24
